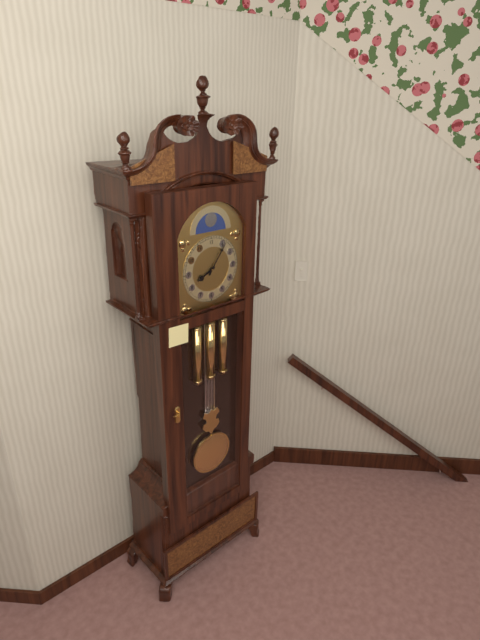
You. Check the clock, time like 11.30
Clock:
8.06
